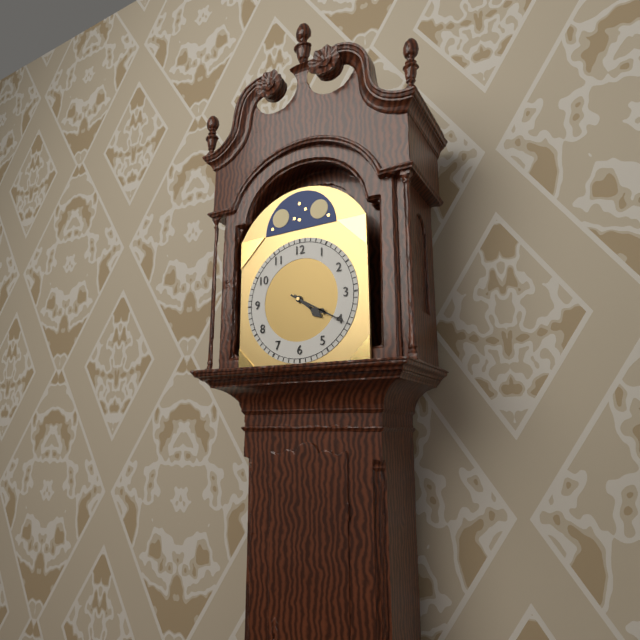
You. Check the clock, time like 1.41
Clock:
4.20
